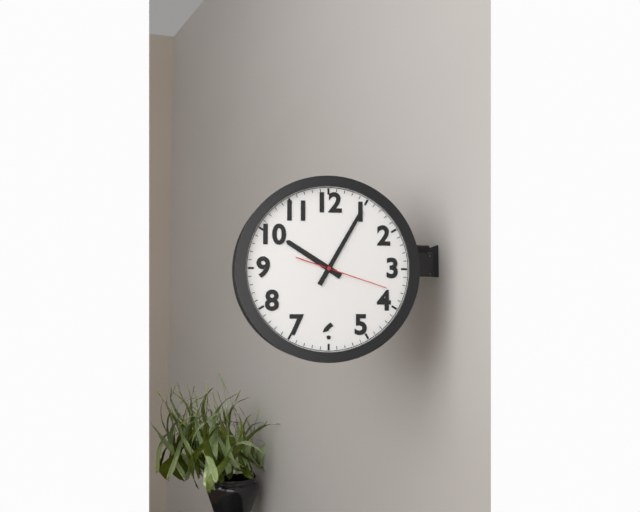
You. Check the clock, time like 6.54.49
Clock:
10.05.18
